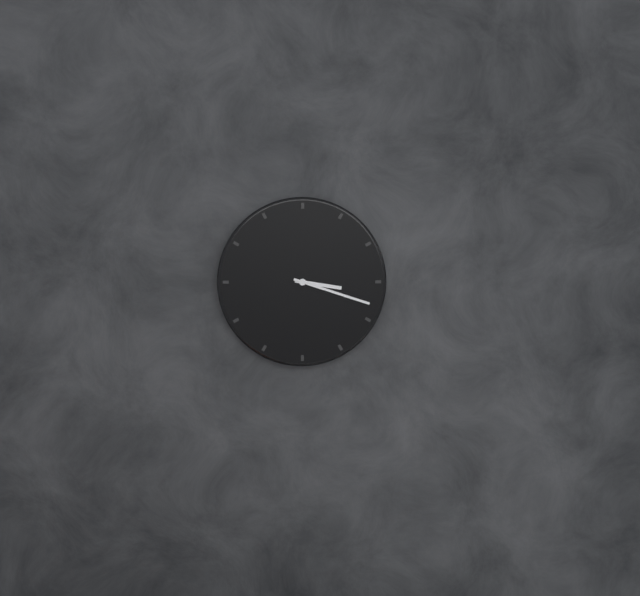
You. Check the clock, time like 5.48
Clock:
3.18
